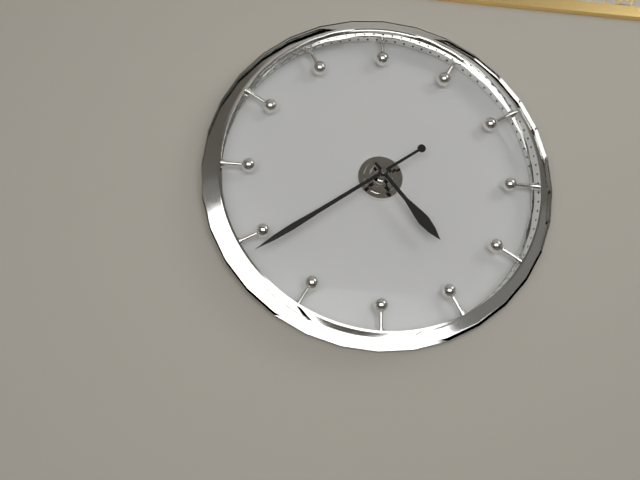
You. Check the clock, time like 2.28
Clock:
4.39
